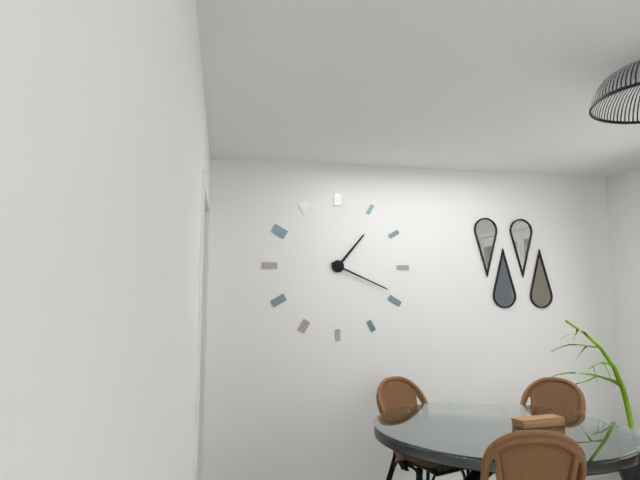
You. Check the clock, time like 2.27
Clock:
1.19
